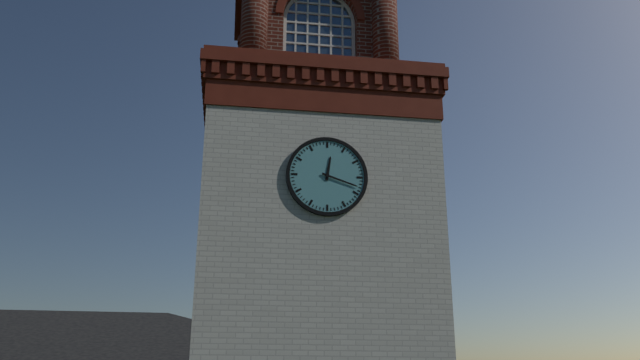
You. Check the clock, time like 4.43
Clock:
12.18
